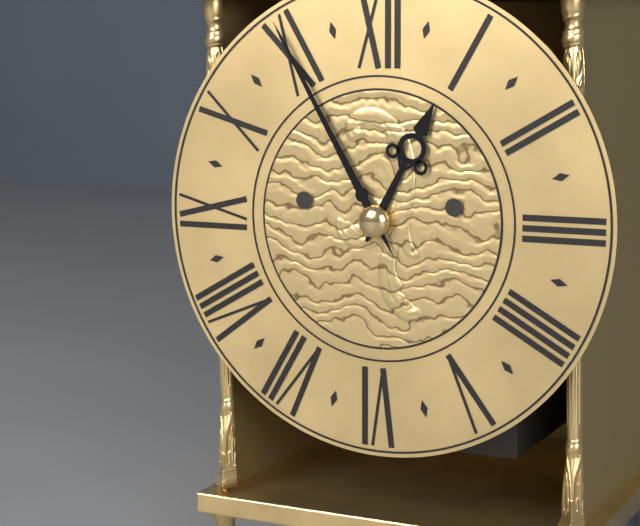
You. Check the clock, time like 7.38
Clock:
12.55
